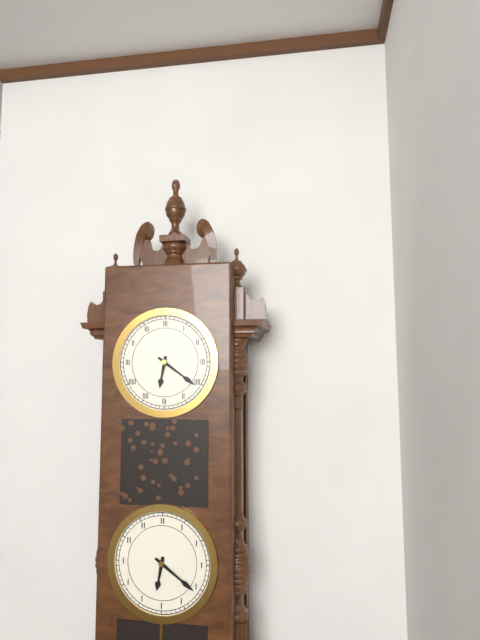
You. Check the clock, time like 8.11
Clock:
6.21
